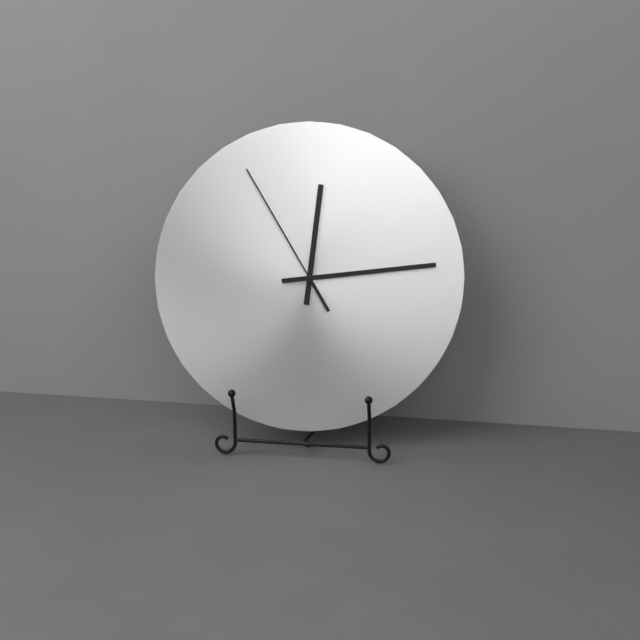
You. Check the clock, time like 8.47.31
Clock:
12.14.55
